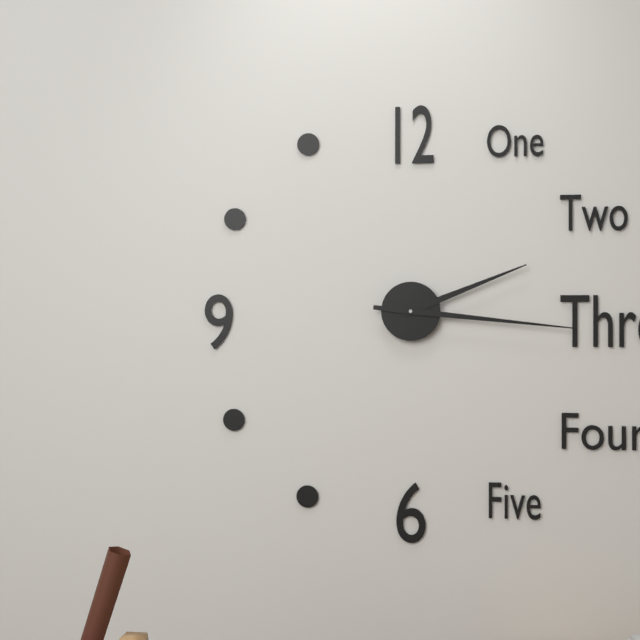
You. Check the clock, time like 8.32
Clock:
2.16
